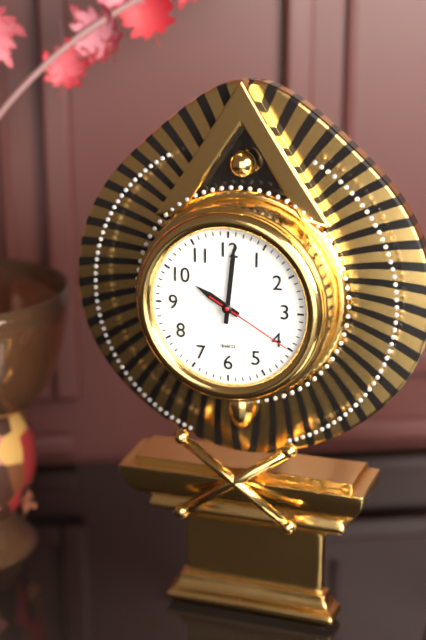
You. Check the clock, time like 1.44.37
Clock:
10.01.20
